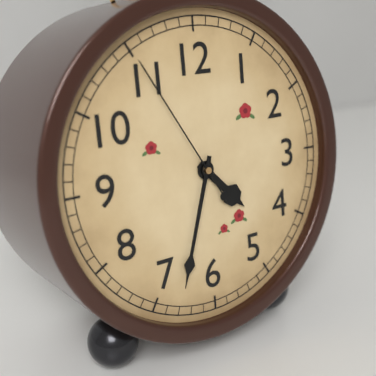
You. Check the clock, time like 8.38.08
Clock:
4.33.55
